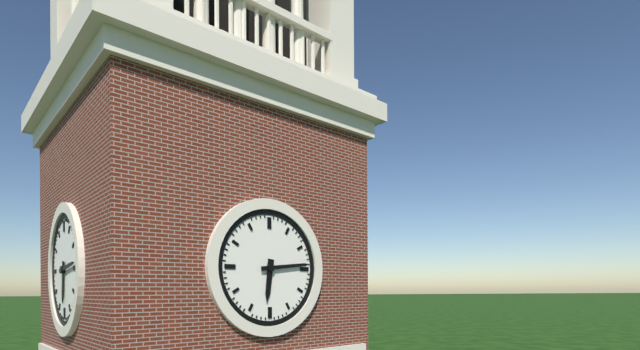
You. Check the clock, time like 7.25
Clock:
6.14
